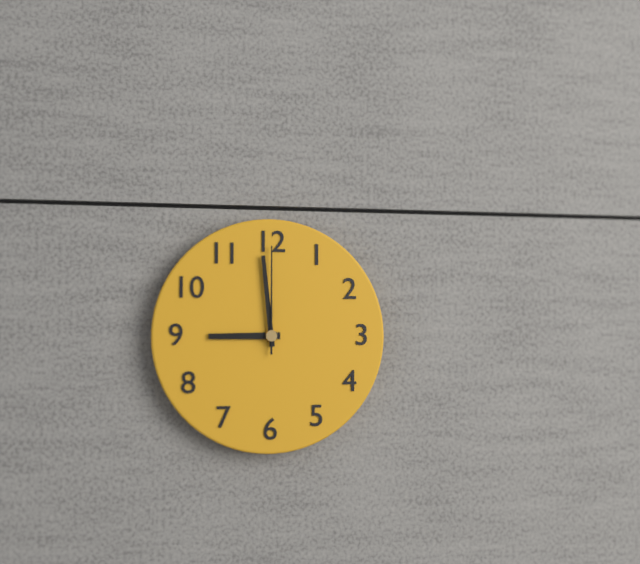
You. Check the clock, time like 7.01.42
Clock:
8.59.00
